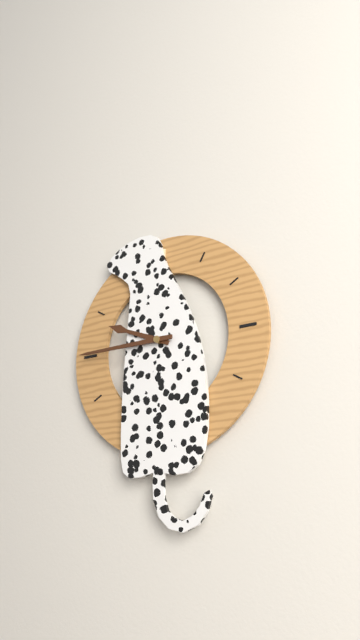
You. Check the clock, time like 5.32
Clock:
9.45
